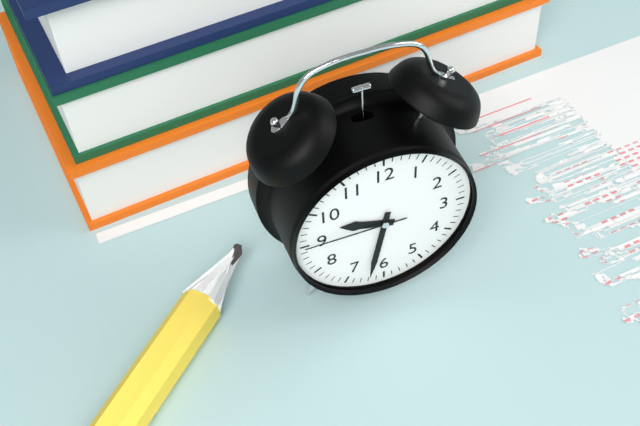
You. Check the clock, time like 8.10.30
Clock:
9.32.45
